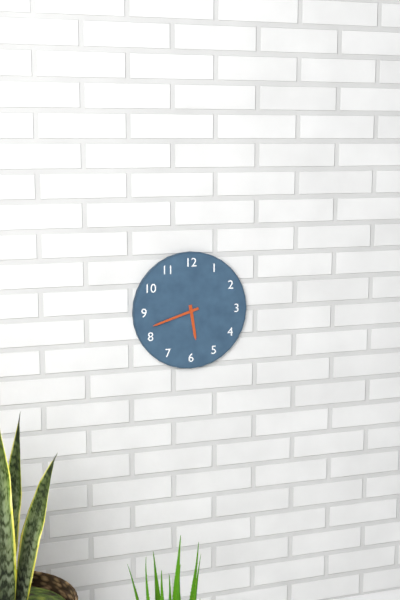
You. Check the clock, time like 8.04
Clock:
5.42
